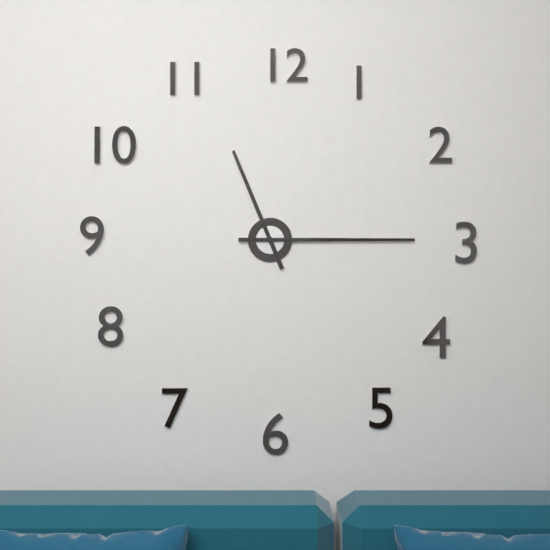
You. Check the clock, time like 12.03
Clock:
11.15
